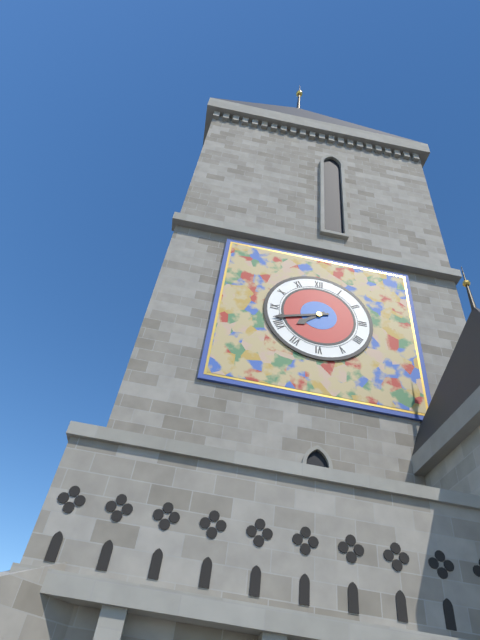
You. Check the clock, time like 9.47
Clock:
7.42
